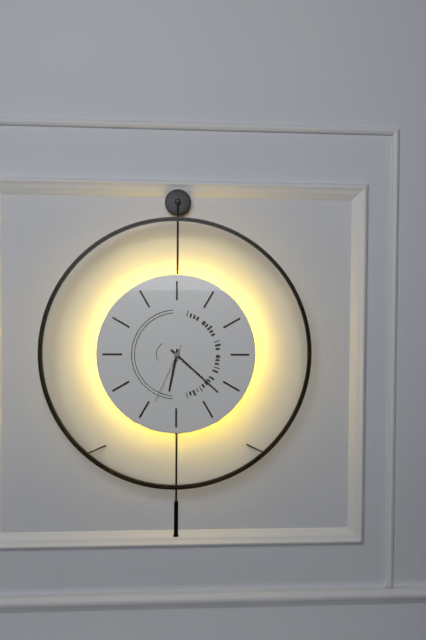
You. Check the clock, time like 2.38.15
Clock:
6.22.34
